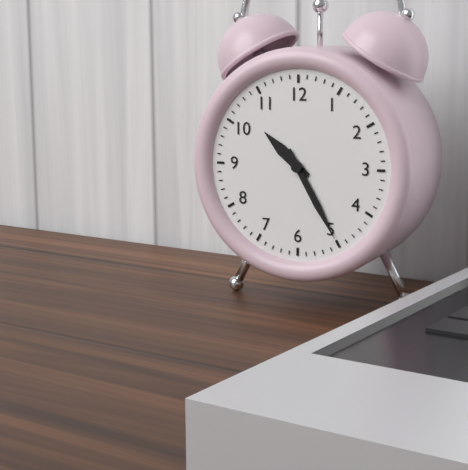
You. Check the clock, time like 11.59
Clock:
10.25
